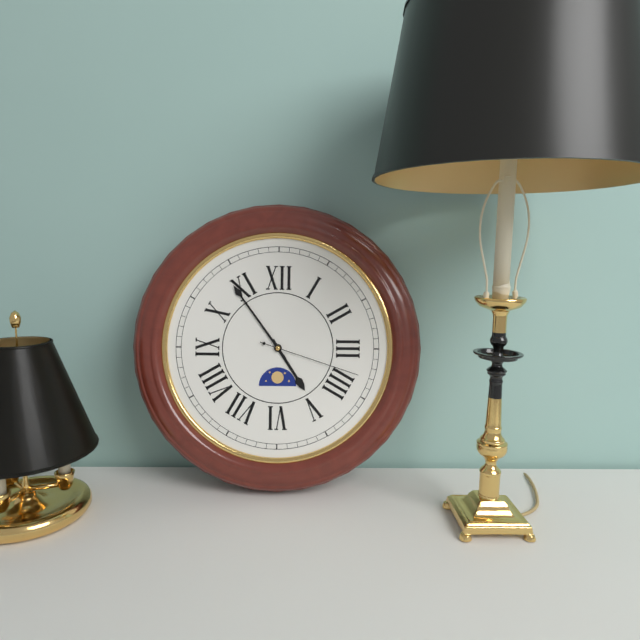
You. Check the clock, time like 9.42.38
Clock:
4.54.18
